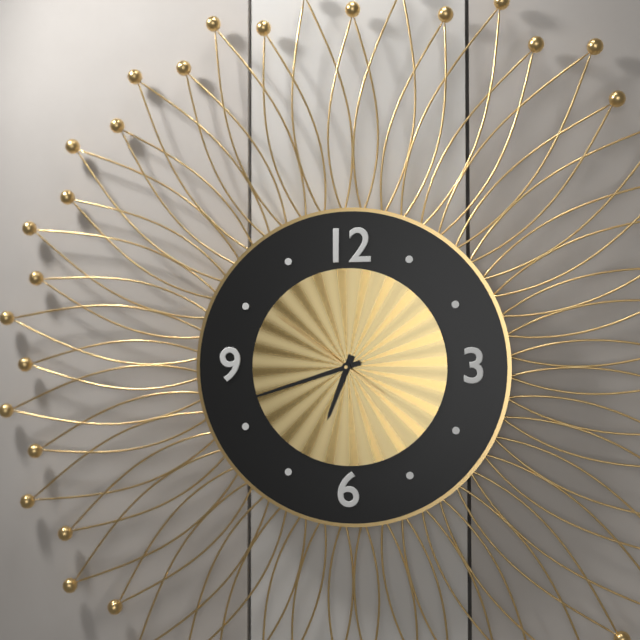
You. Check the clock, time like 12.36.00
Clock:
6.42.51
